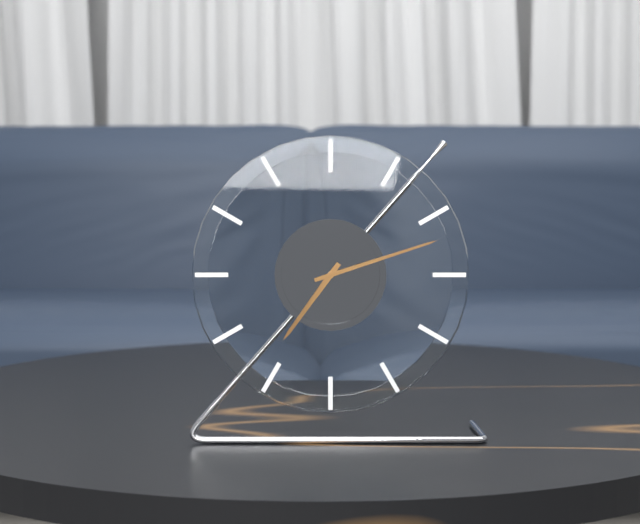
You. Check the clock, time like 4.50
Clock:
7.12
